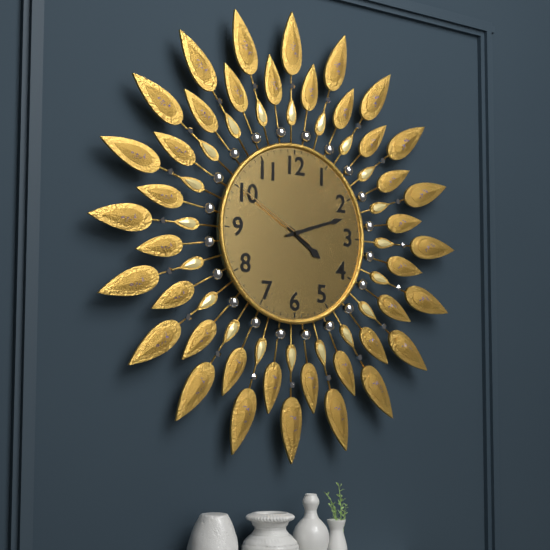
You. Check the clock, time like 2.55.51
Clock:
4.12.50
